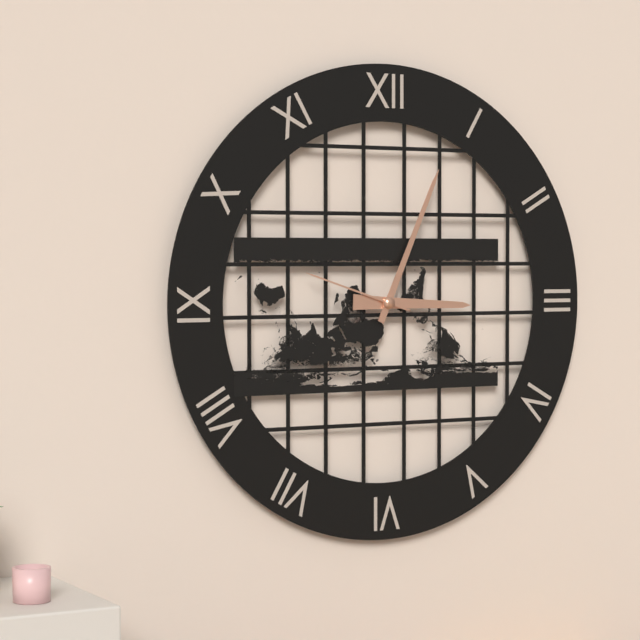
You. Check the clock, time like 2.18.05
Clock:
3.04.48
